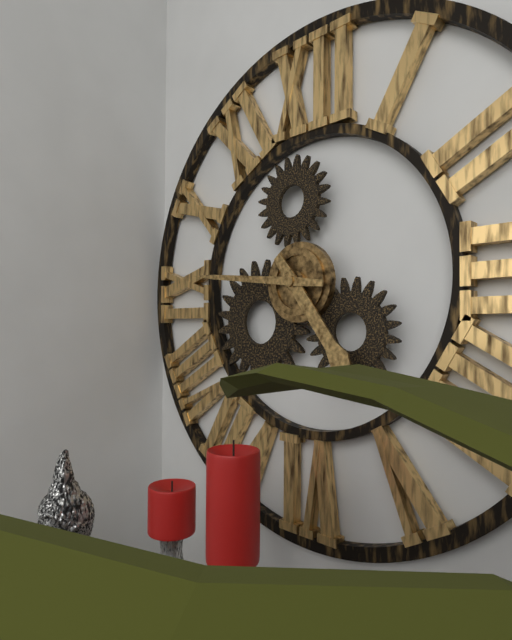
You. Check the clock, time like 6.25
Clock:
4.46
